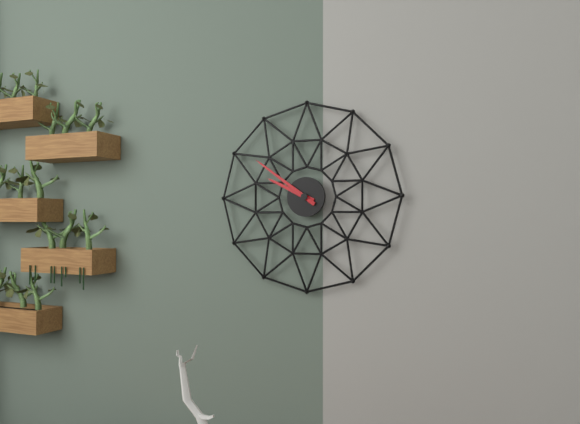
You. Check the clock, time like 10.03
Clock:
9.51
